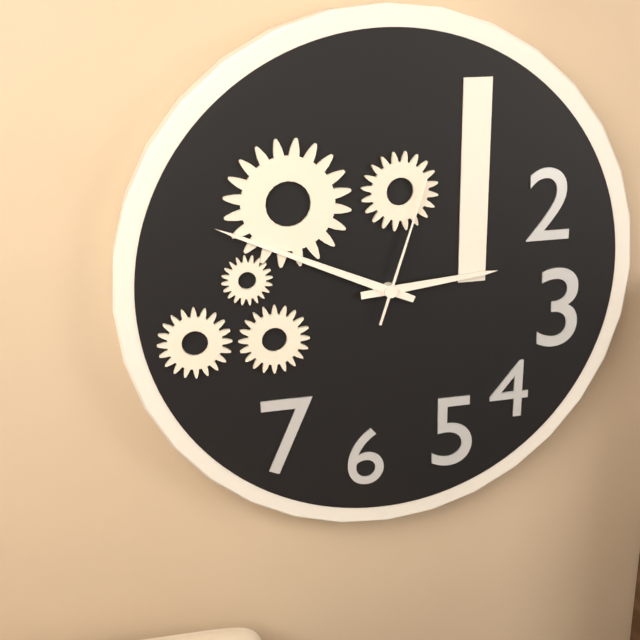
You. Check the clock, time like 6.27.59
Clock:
2.49.03
